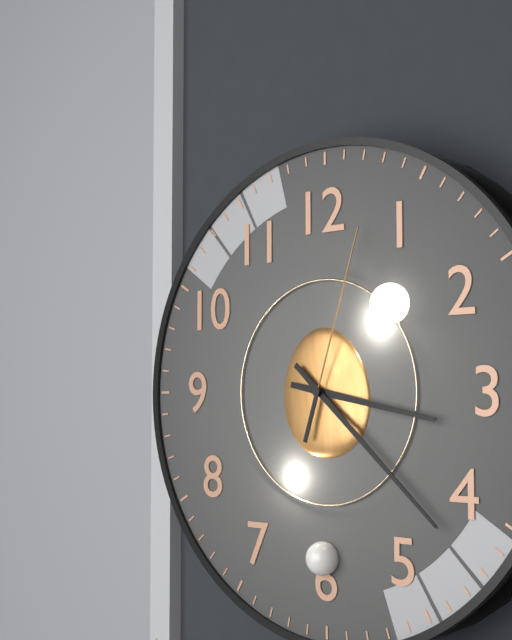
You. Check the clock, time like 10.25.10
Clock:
3.22.03
